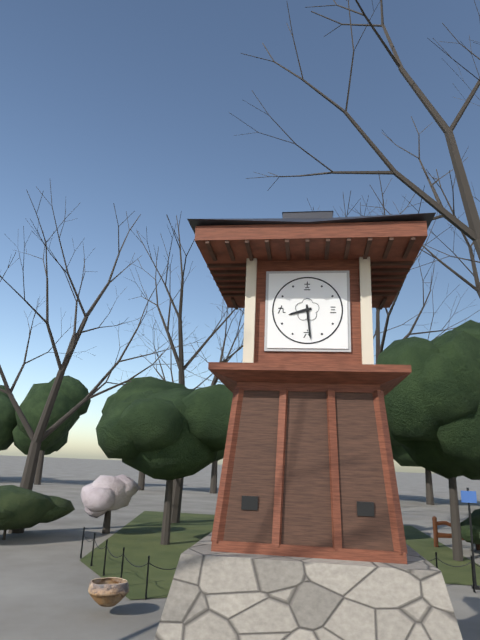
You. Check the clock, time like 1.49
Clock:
8.29
